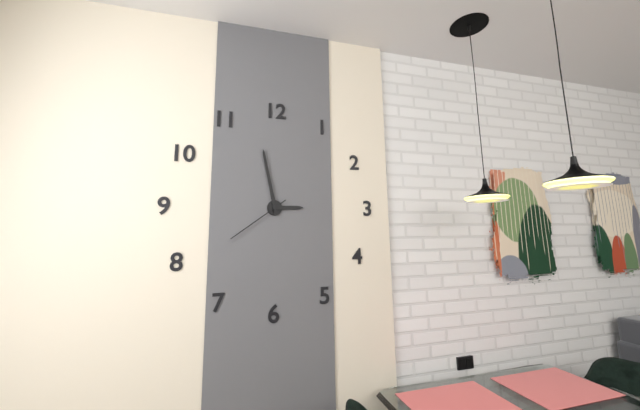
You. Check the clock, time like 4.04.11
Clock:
2.58.39
